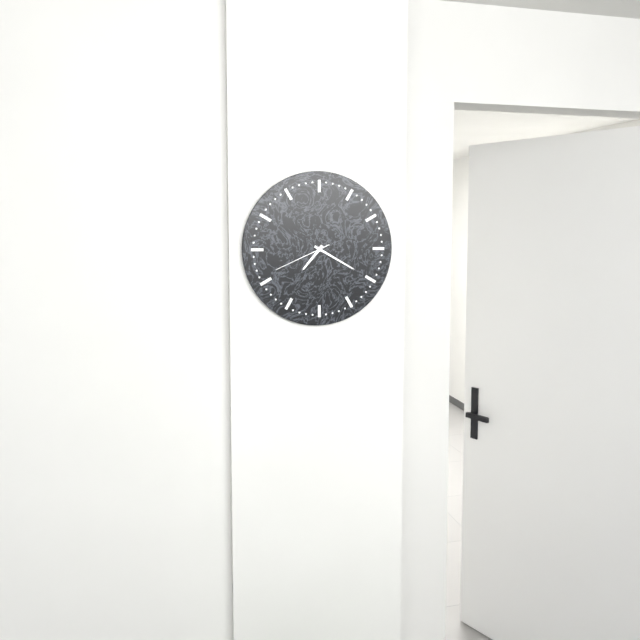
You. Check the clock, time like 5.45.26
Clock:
7.20.41
